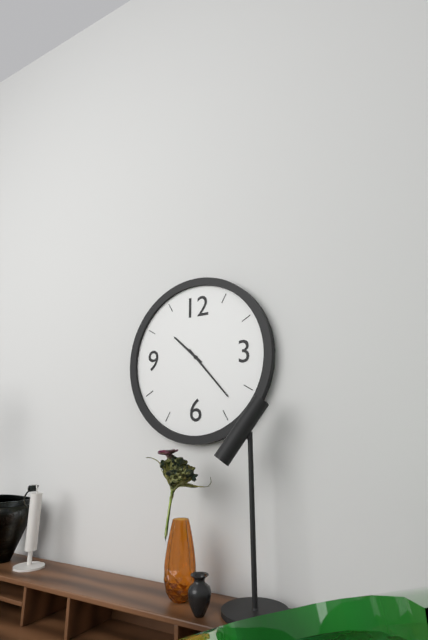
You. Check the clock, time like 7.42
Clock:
10.23
